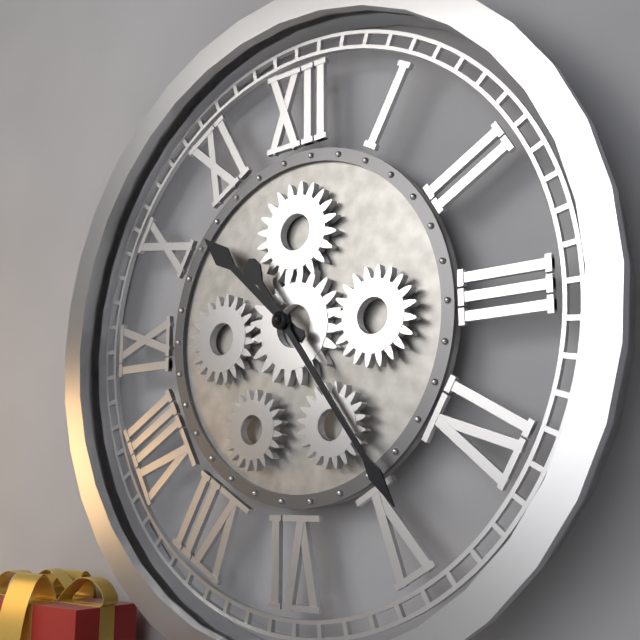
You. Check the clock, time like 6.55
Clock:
10.24
